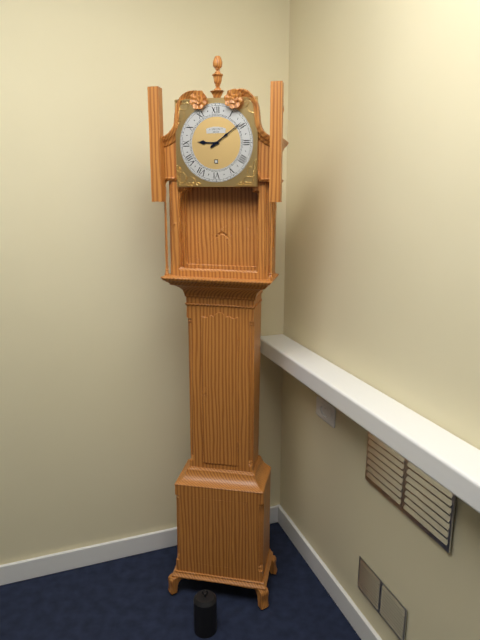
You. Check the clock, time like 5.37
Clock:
9.09
